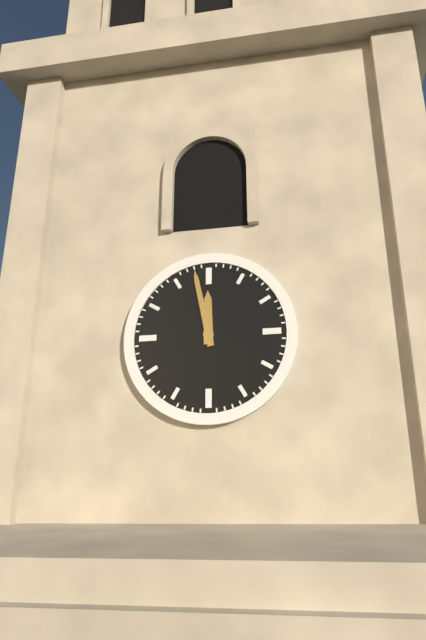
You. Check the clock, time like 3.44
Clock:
11.58
